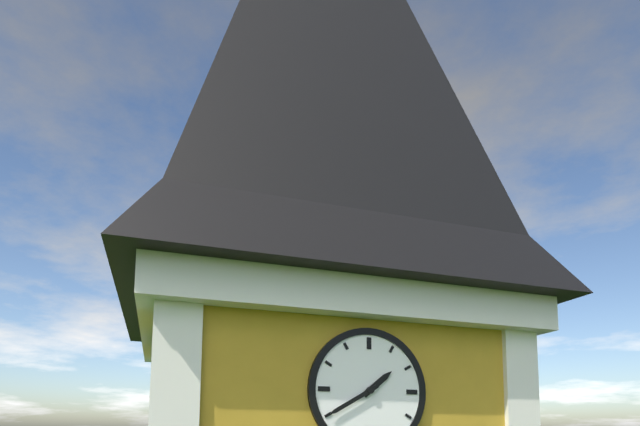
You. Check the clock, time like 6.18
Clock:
1.40
